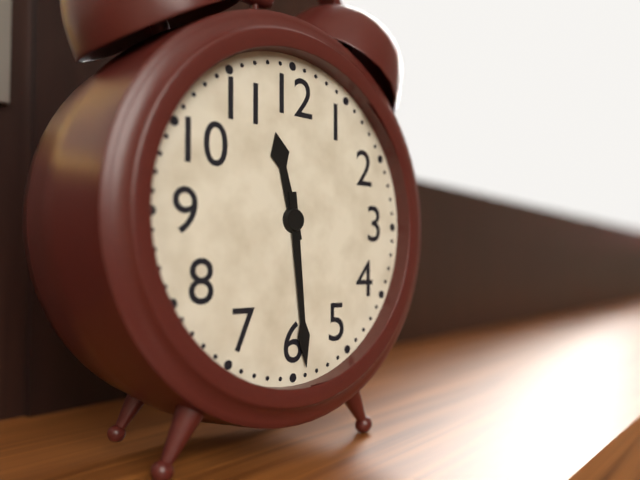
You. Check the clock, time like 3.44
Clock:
11.29
